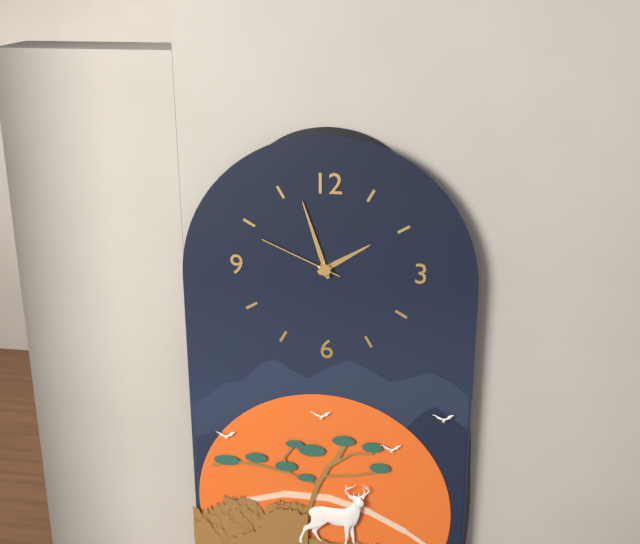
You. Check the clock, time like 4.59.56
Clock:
1.57.49
